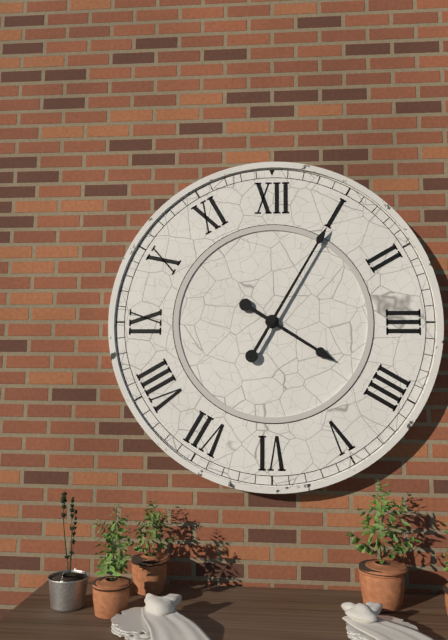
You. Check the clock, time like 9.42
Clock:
4.05
